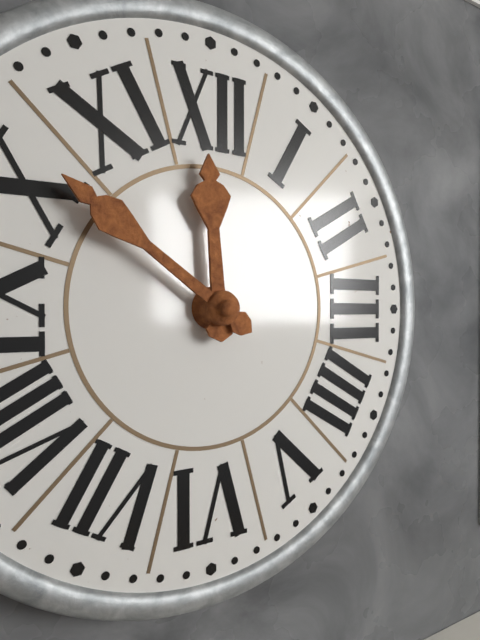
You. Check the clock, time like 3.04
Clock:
11.51
